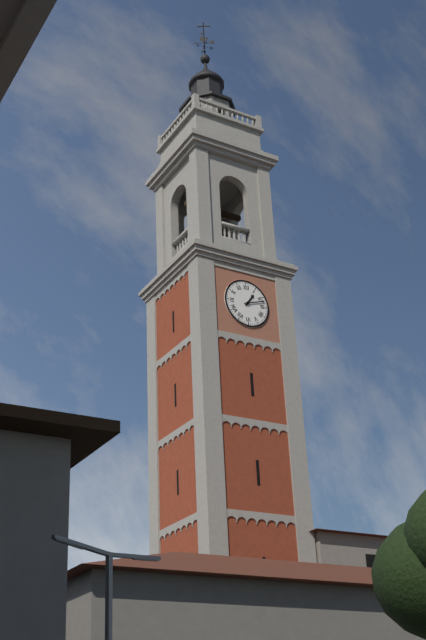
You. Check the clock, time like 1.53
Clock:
1.12
